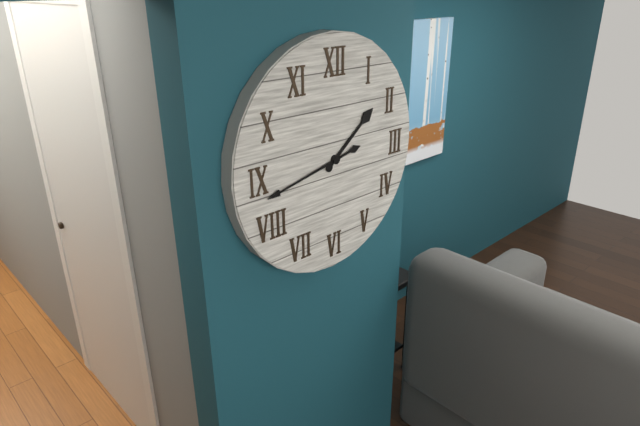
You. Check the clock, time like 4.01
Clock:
1.43
